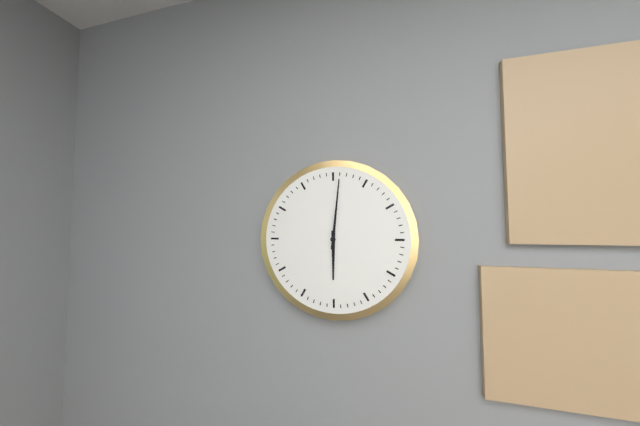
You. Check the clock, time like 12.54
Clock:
6.01
